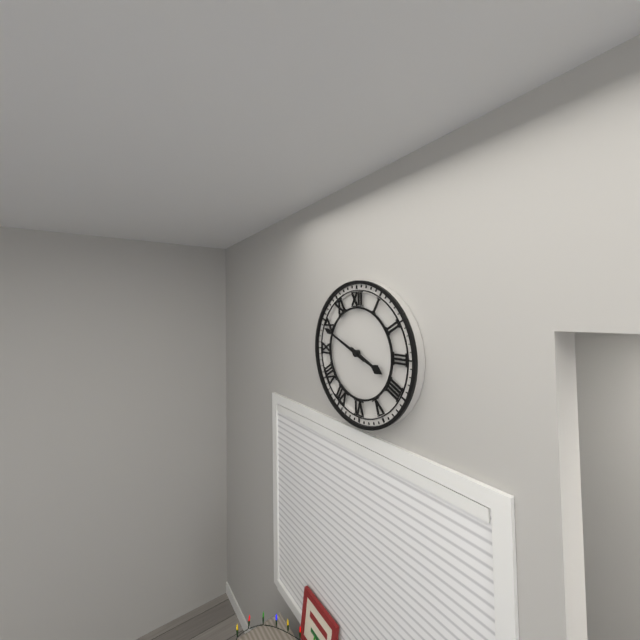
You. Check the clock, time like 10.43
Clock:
3.49
